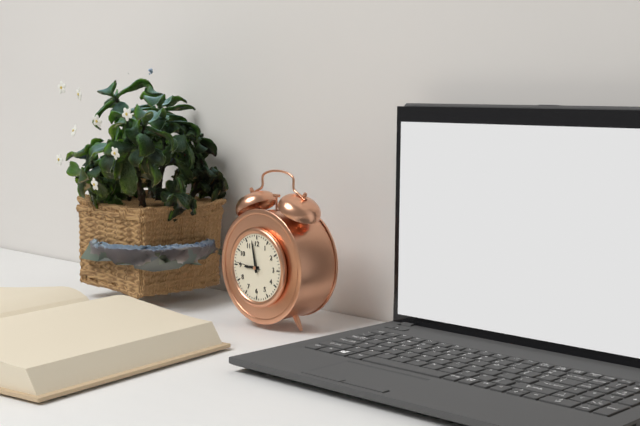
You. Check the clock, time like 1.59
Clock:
8.58
